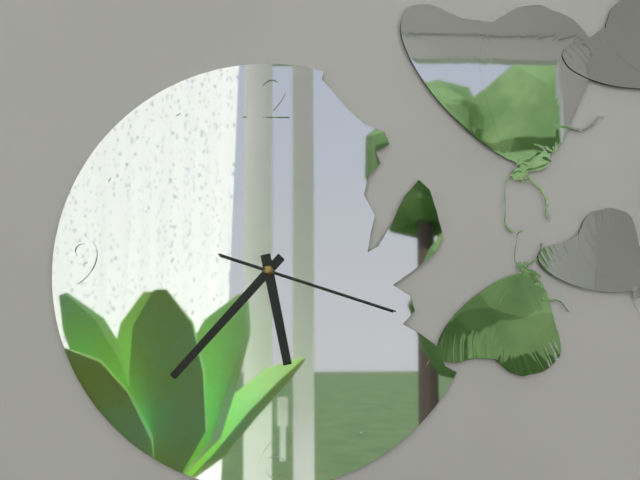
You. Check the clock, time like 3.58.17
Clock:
5.37.18
